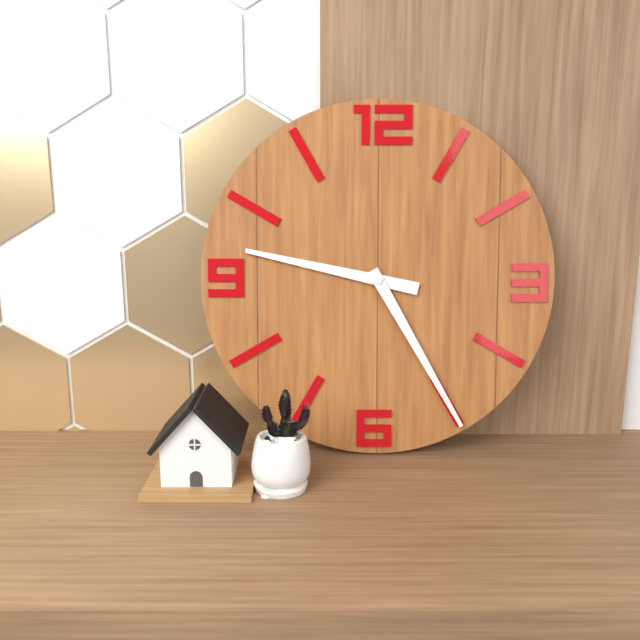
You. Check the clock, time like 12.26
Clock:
9.25
